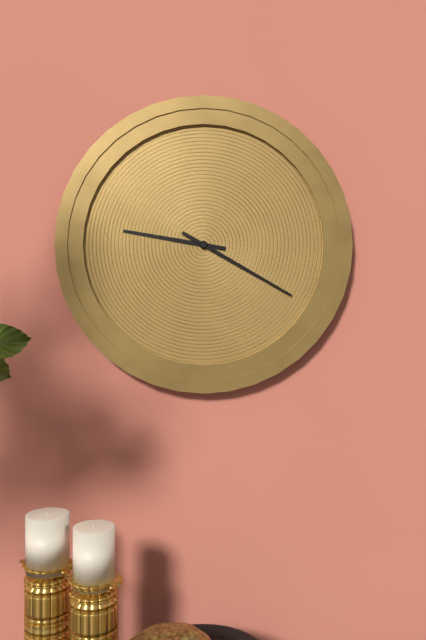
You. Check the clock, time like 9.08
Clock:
9.20
